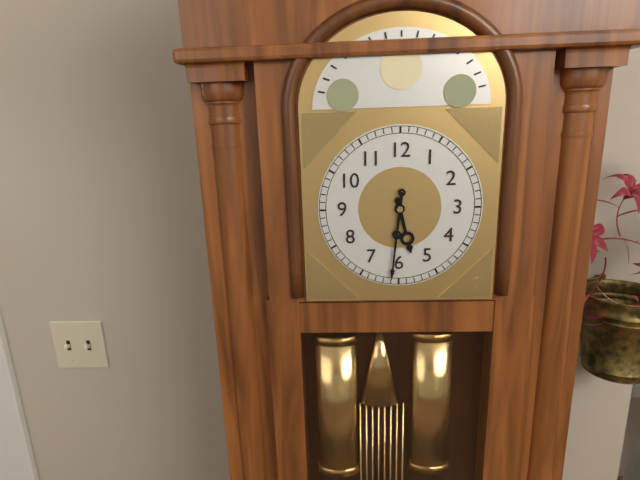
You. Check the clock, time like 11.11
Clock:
5.31
